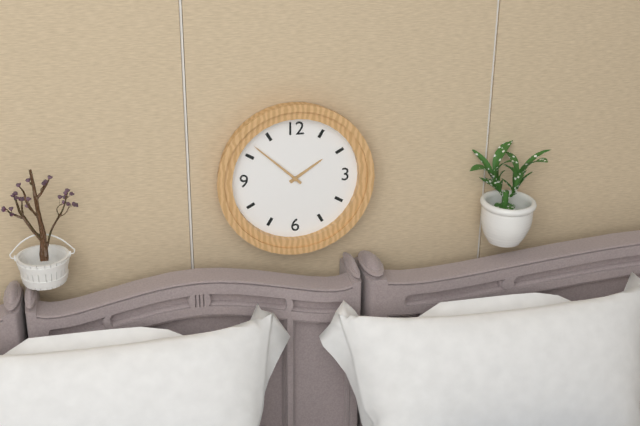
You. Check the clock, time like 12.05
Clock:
1.52
